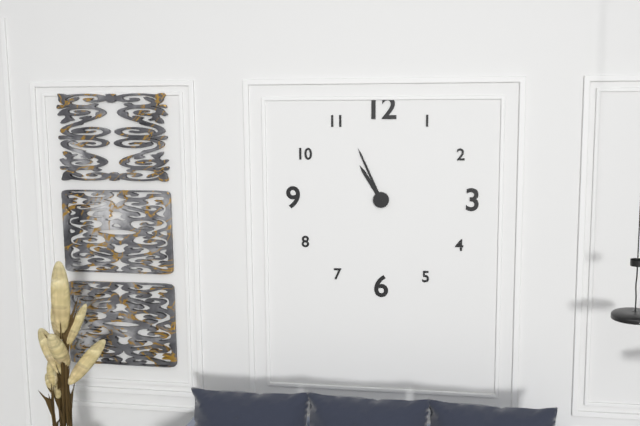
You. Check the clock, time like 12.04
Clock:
10.56
